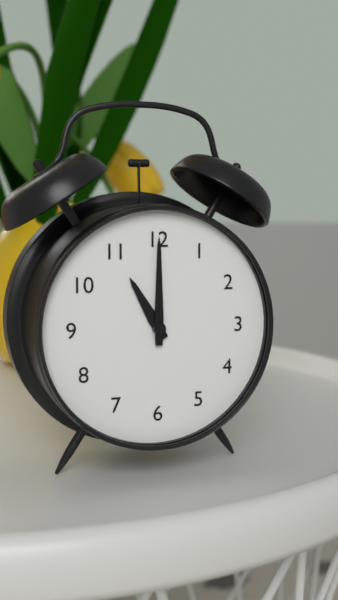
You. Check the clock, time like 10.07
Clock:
11.00
